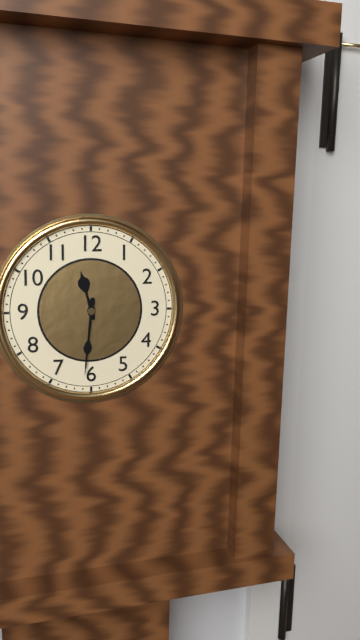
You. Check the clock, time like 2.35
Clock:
11.31
